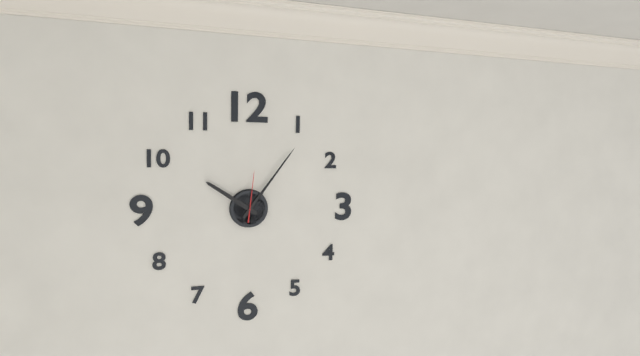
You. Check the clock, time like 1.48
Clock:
10.06
